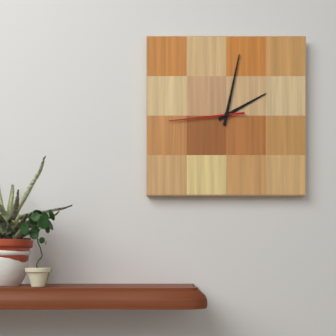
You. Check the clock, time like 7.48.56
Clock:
2.02.44
